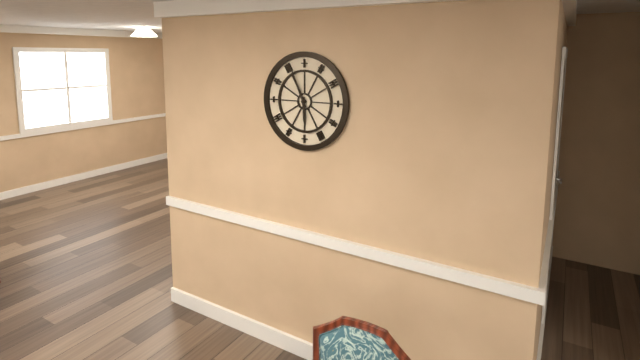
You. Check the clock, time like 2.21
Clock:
5.56
